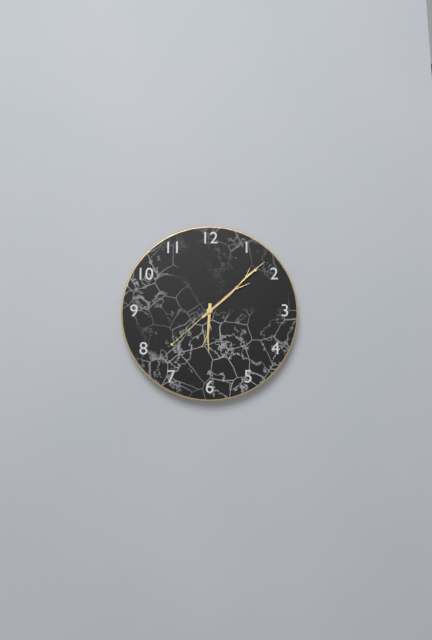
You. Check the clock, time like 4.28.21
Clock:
6.08.08
